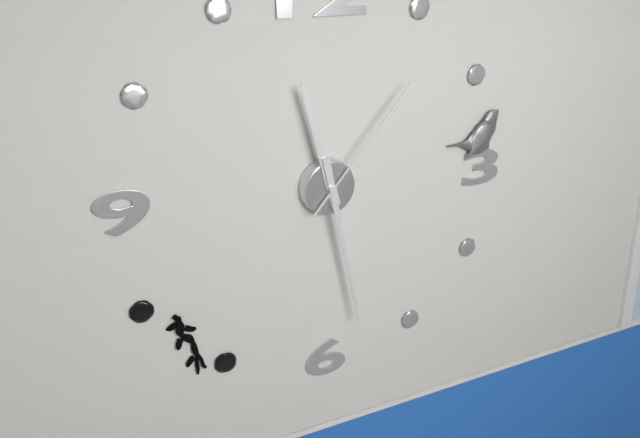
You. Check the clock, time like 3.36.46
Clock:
11.28.07
